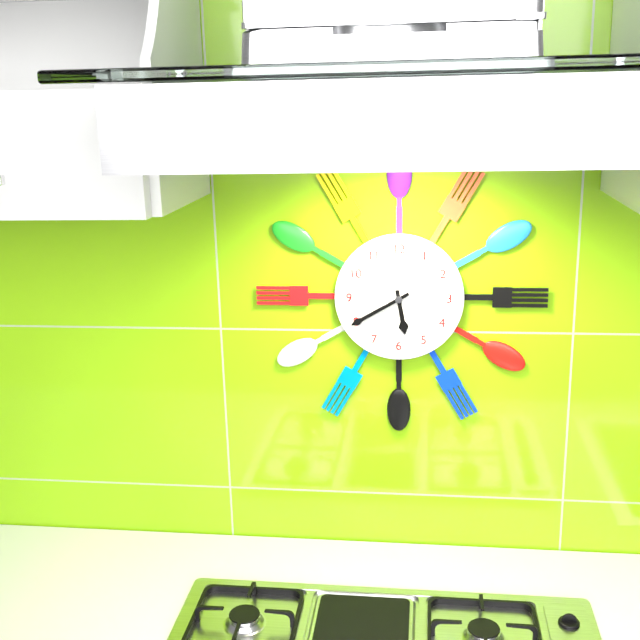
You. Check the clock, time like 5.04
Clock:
5.40
